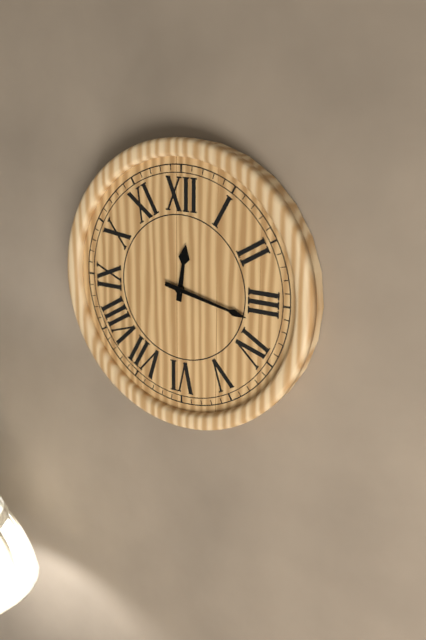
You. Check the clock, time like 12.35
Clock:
12.17
